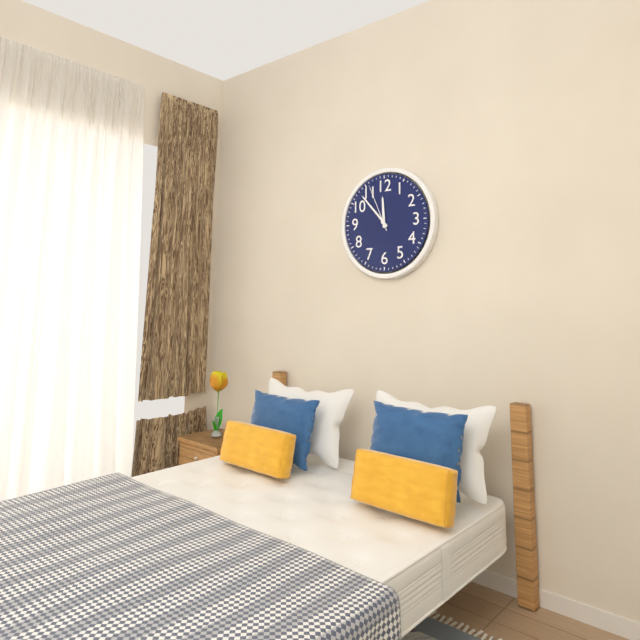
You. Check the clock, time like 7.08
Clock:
11.53
